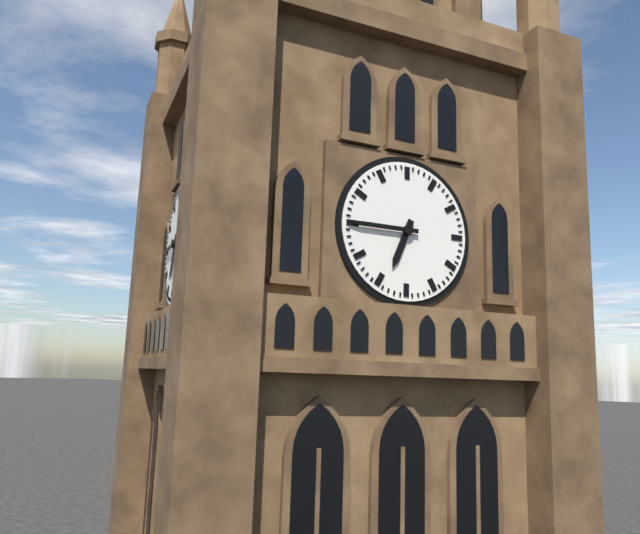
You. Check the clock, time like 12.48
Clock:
6.45
